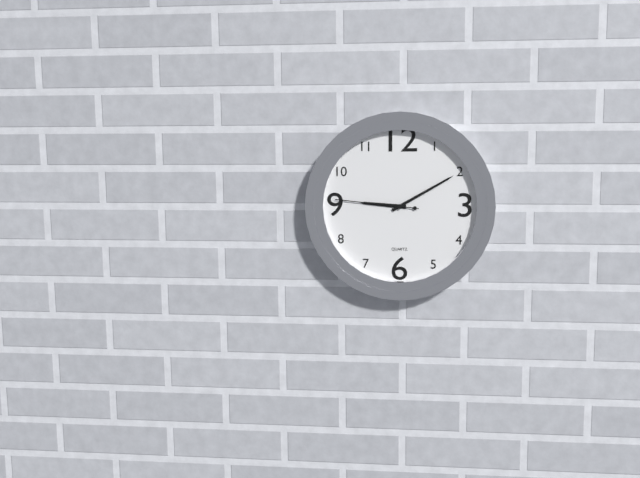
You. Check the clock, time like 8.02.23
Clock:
9.10.46
